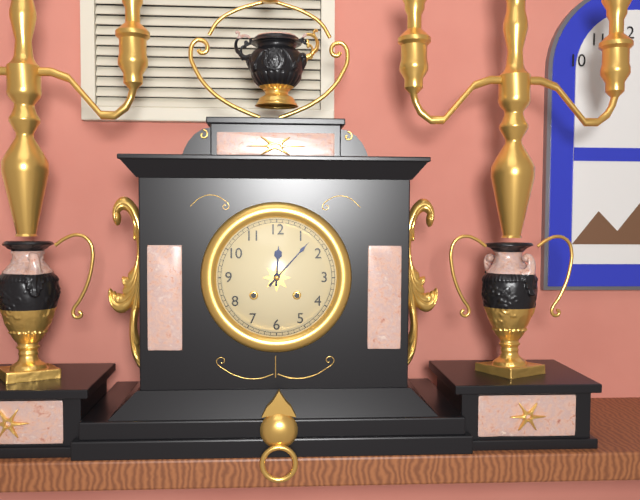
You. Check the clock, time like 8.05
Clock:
12.07
